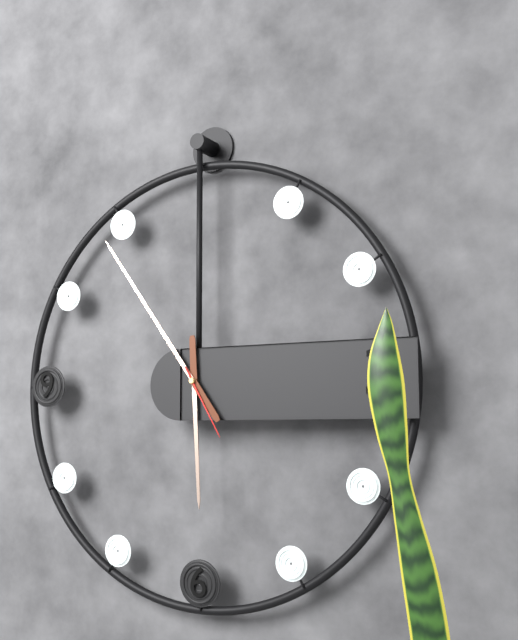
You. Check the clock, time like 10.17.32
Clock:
5.54.25
